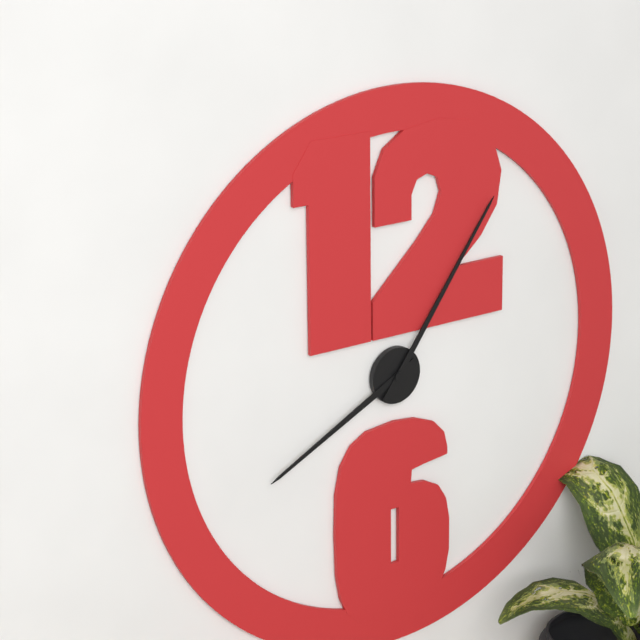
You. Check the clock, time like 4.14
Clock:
8.06
